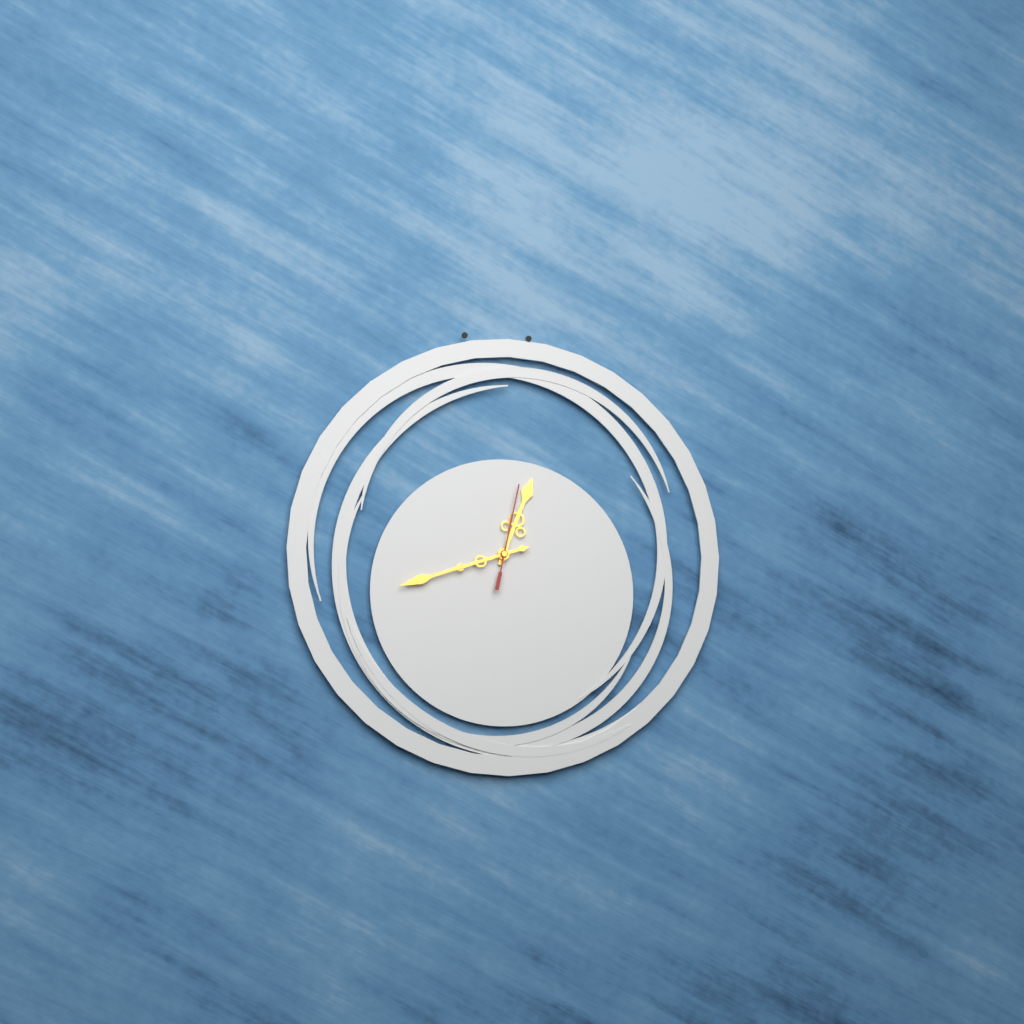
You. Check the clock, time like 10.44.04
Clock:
12.42.02
